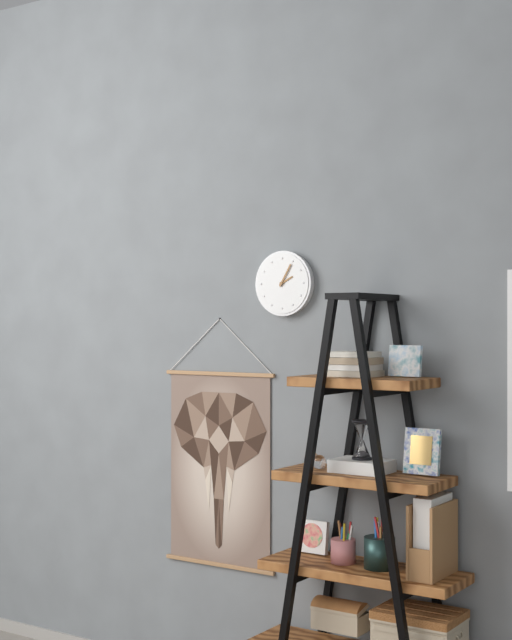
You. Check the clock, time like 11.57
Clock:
2.05
